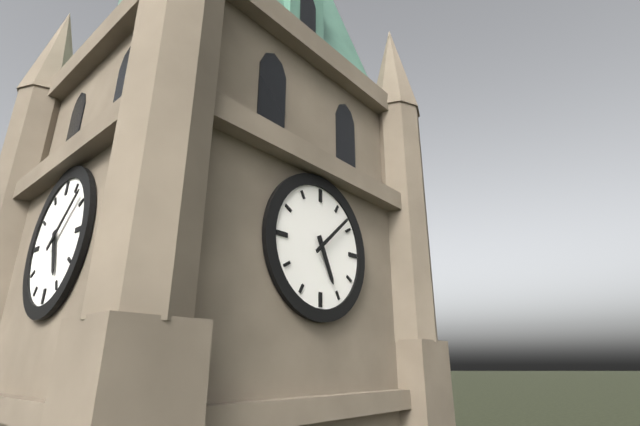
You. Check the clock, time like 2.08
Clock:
5.08
